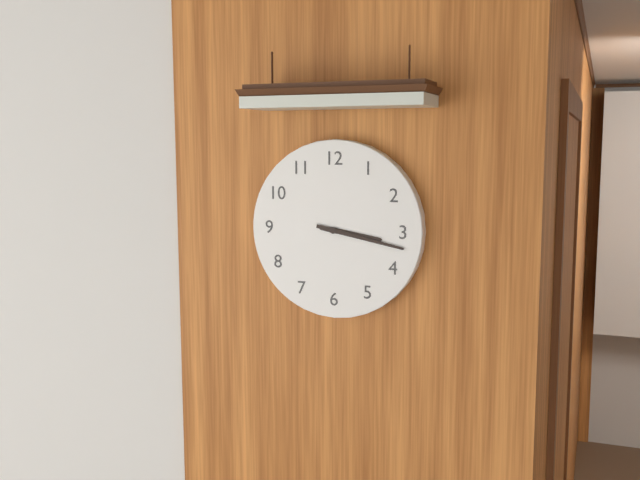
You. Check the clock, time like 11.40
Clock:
3.17
